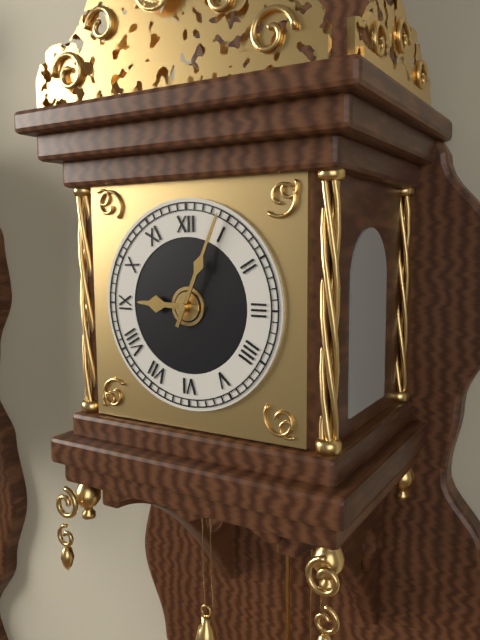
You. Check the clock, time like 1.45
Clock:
9.04
